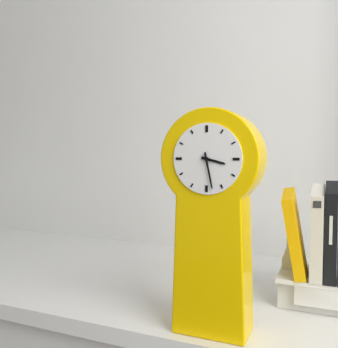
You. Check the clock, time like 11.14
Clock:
3.28
